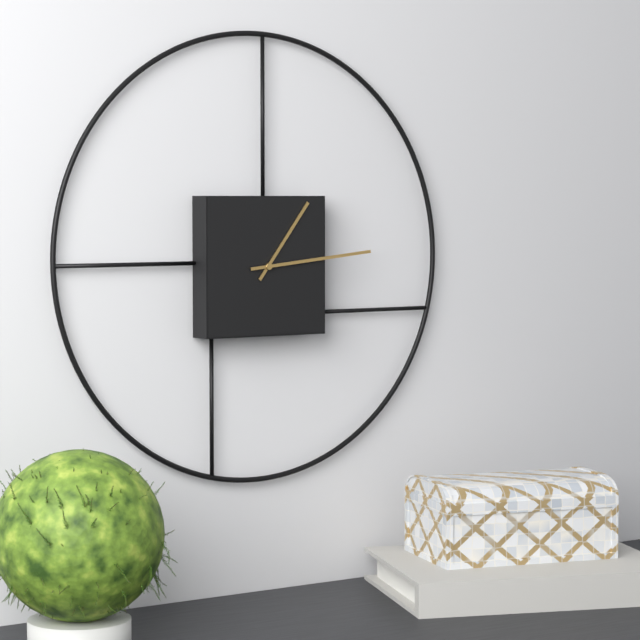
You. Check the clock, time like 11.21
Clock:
1.14
